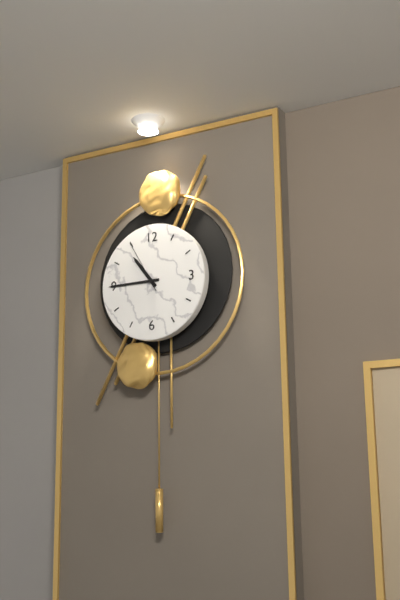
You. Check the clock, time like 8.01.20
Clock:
10.45.55
